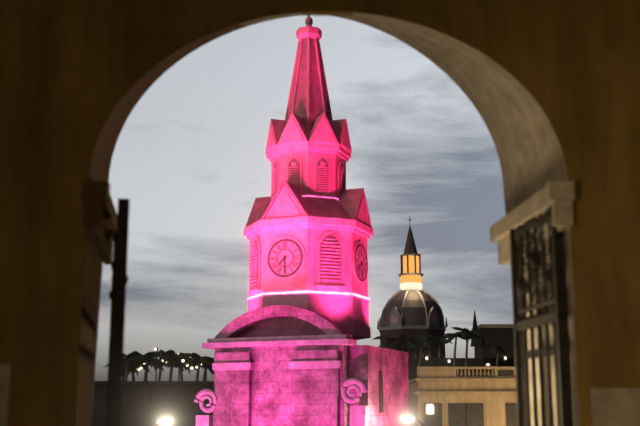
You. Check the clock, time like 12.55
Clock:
7.30
